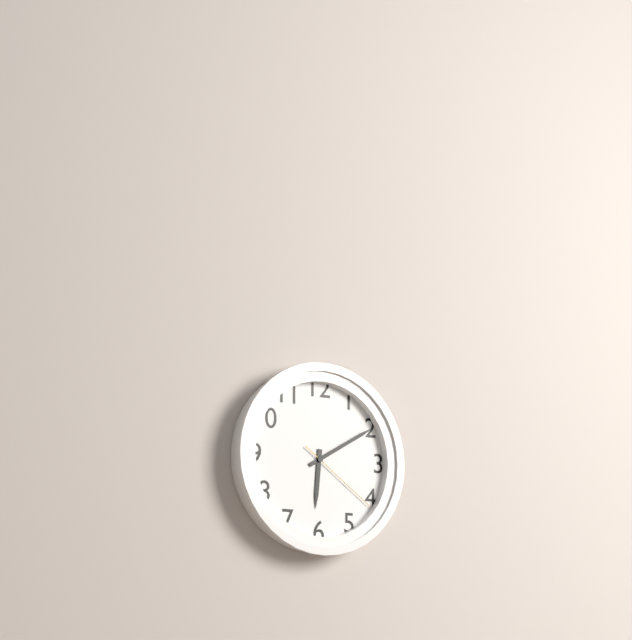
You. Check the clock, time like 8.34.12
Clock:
6.10.21
